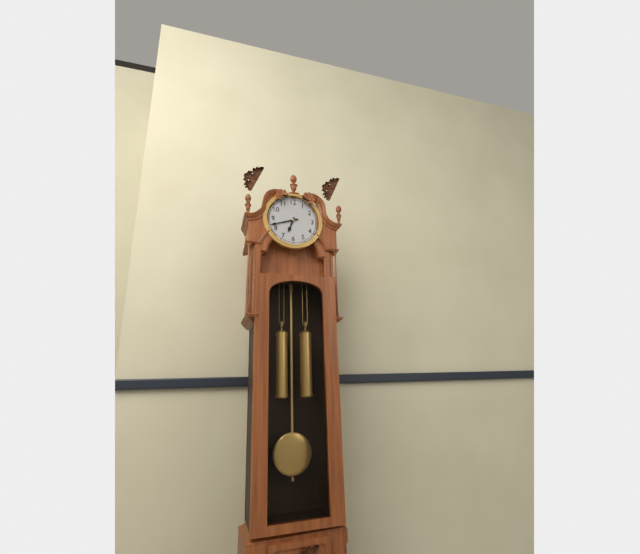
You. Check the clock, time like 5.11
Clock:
6.42
